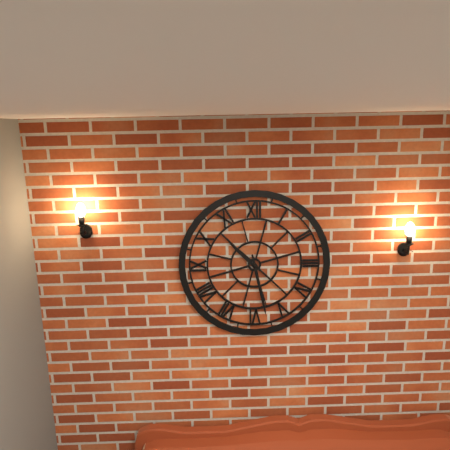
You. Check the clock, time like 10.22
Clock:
10.28
